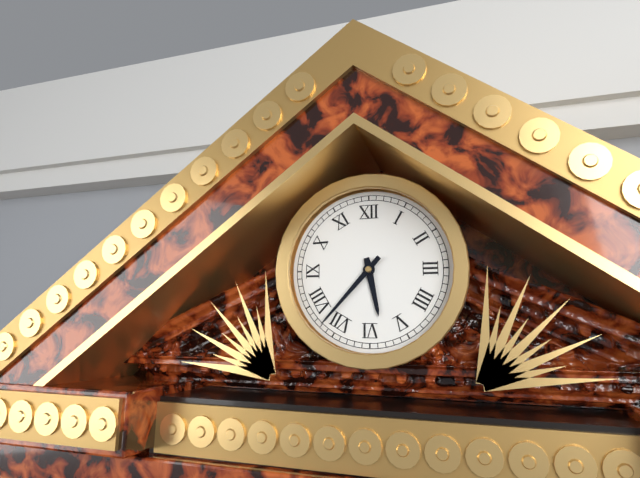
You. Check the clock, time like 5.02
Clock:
5.37
